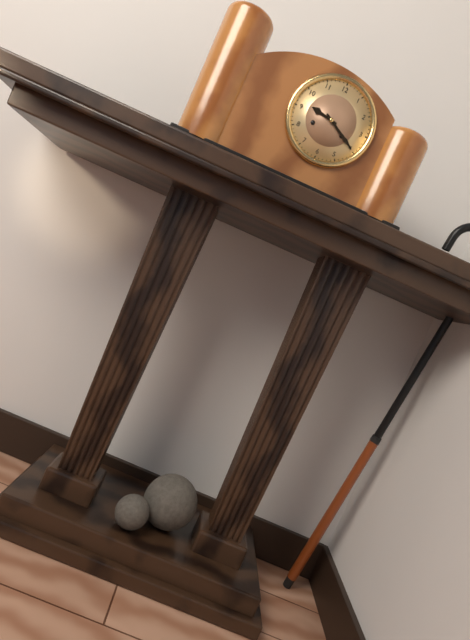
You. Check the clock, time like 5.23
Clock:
9.20
